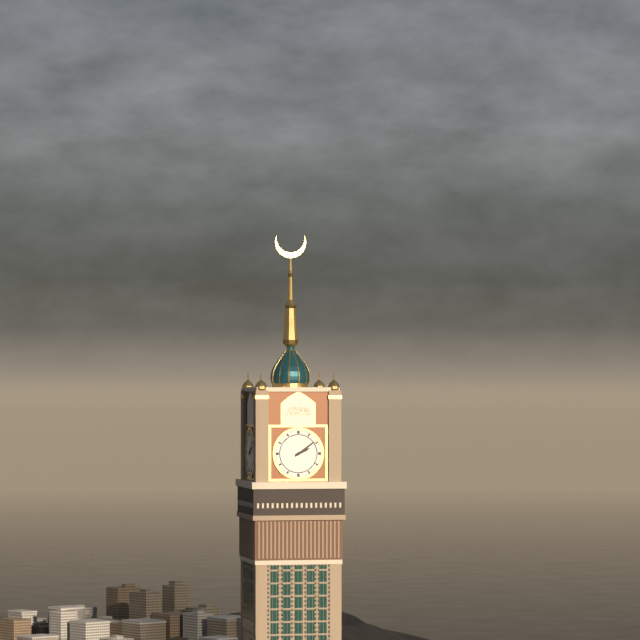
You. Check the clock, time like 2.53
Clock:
2.09
